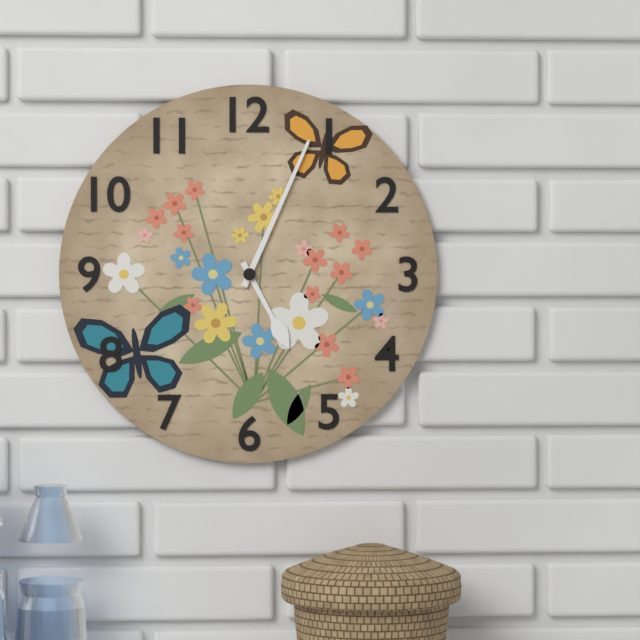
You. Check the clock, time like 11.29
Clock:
5.04
